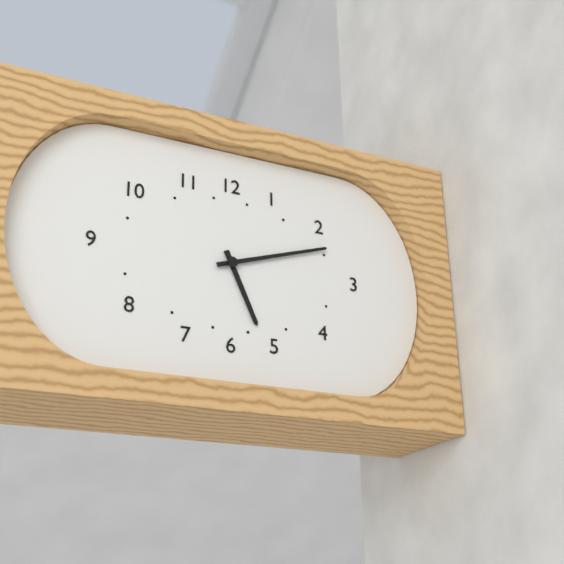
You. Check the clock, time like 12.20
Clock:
5.12
